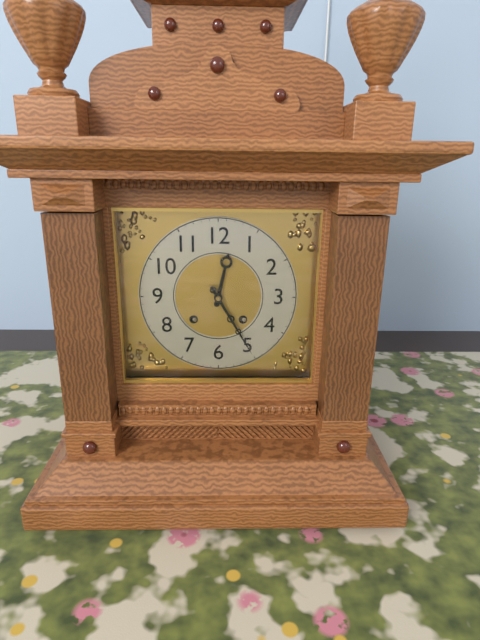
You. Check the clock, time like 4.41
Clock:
12.25
